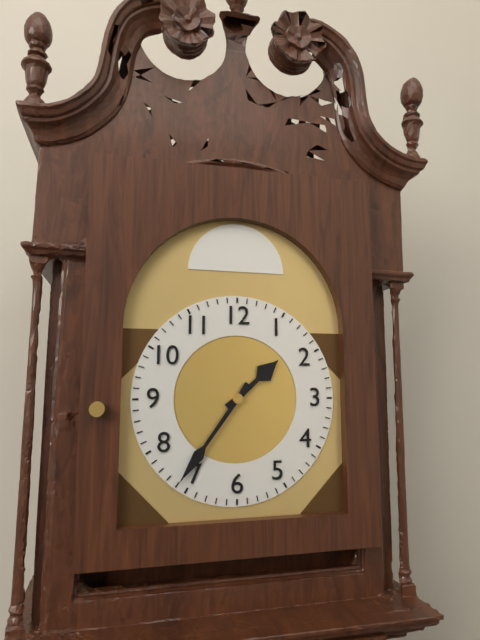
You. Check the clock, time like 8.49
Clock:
1.36
